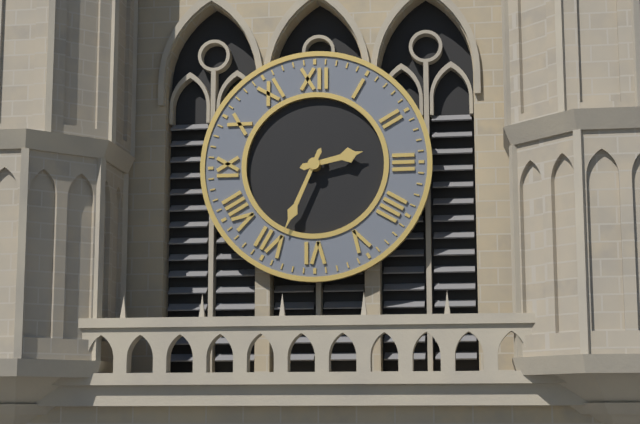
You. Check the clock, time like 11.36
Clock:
2.34
